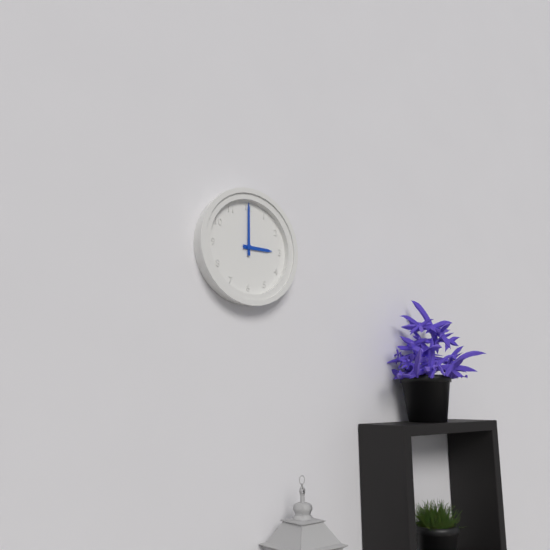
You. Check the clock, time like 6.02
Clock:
3.00
